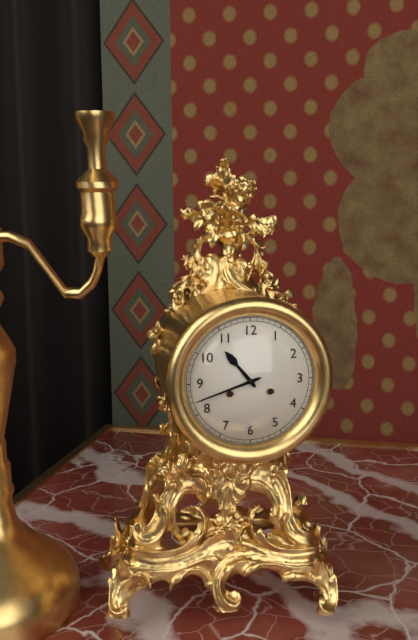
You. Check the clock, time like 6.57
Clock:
10.42
